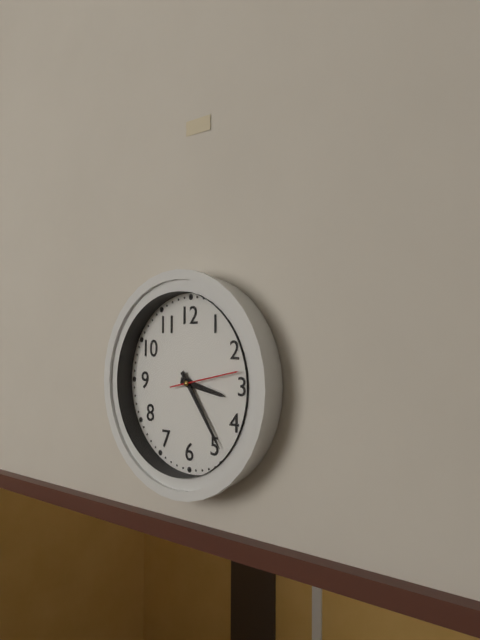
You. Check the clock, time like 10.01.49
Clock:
3.24.13
